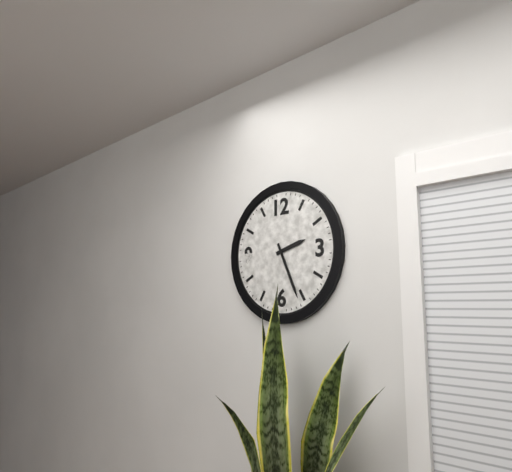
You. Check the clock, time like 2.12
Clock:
2.26
